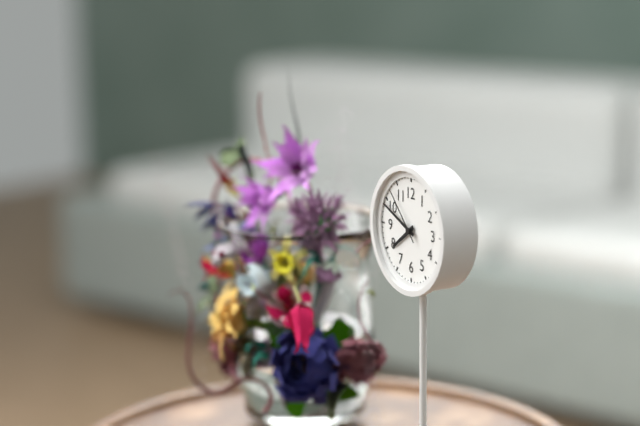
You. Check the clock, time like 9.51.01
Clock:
7.49.53
